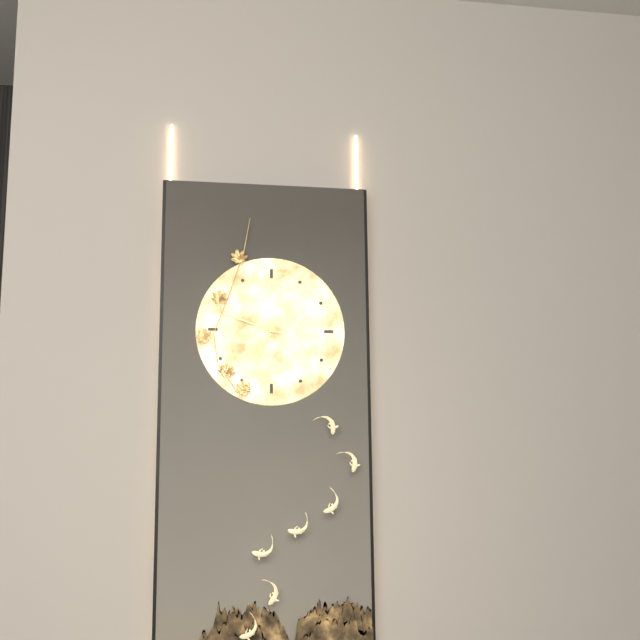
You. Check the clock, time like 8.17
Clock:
6.48
